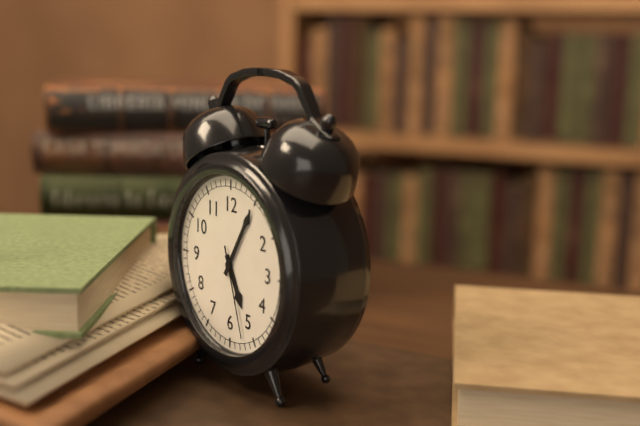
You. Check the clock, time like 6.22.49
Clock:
5.05.27
